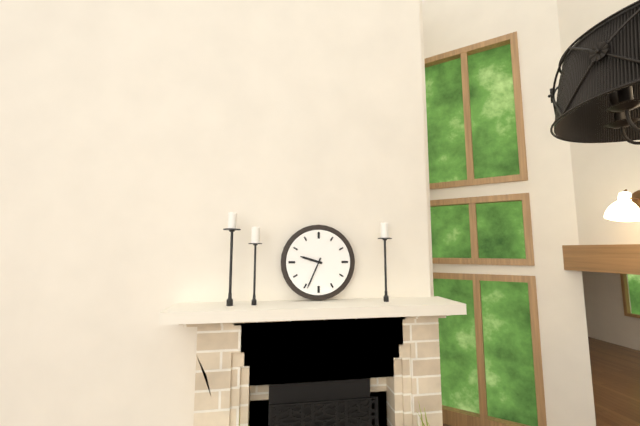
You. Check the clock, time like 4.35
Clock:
9.34
